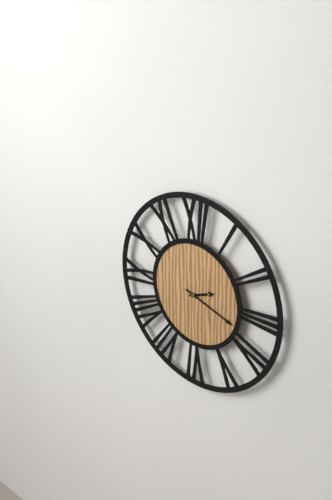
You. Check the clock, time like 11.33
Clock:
2.18
